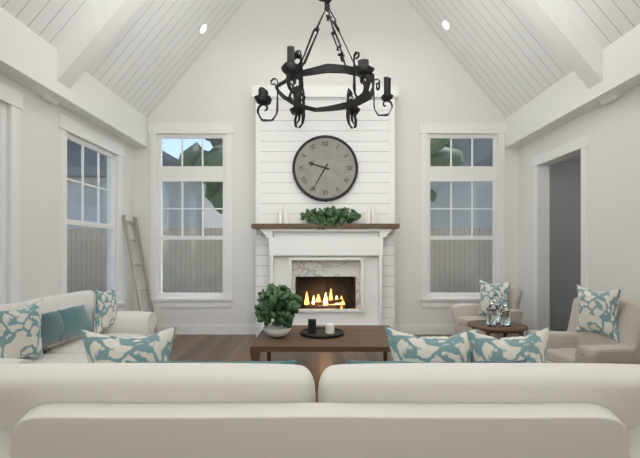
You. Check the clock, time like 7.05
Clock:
9.35
